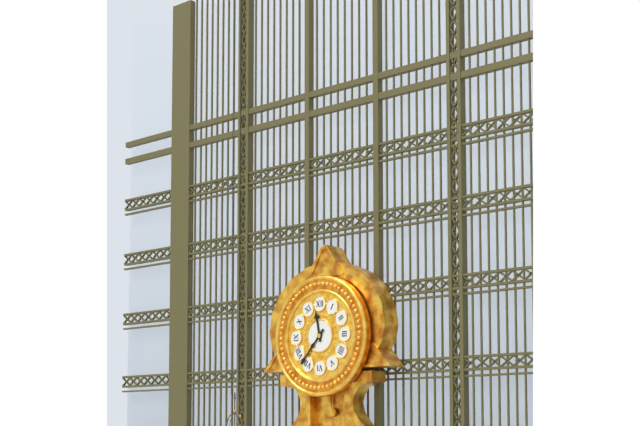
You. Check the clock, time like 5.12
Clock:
11.37
